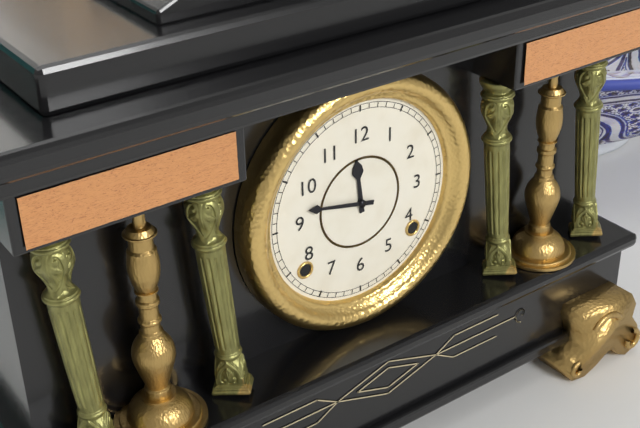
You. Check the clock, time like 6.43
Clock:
11.47
